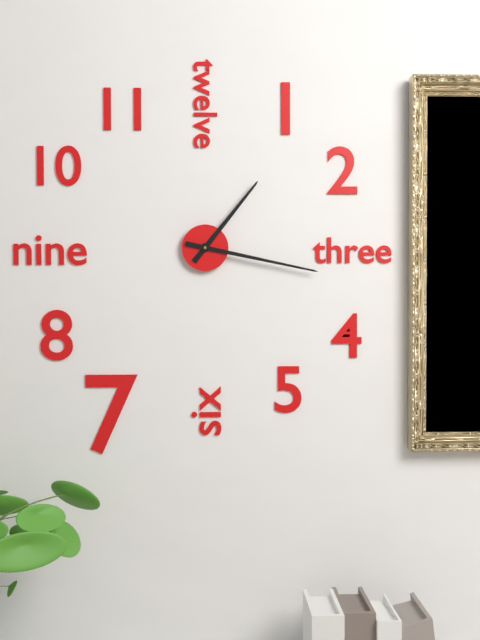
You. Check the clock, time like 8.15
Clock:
1.17
